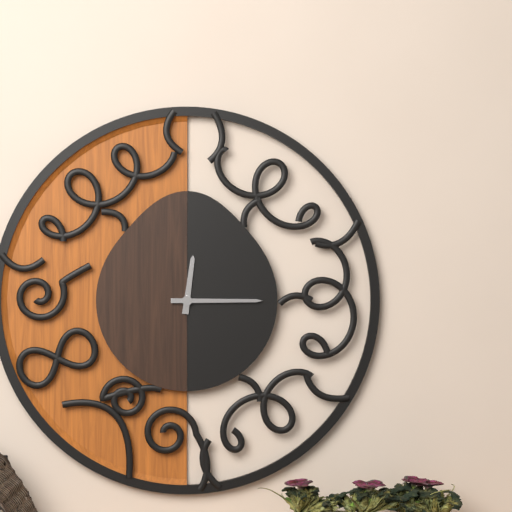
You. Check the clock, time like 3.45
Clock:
12.15
